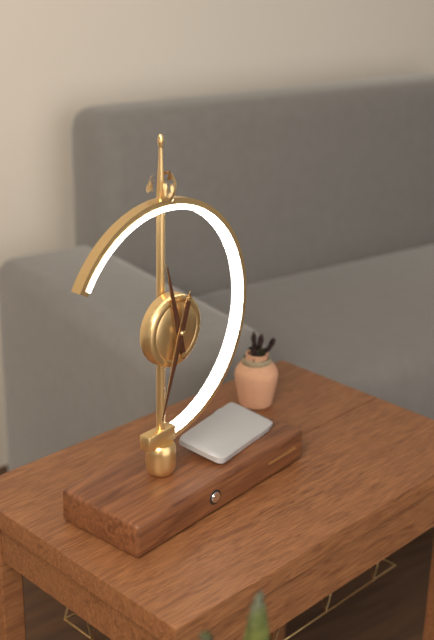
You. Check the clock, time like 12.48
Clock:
11.33
